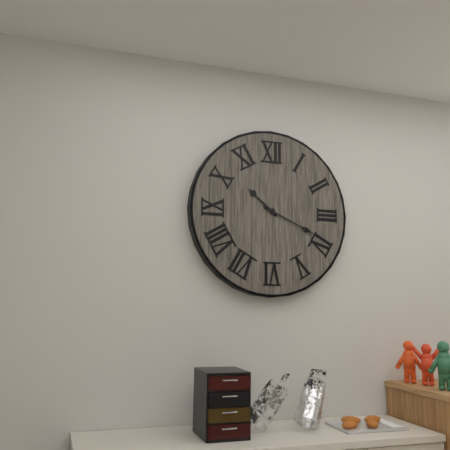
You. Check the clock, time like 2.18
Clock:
10.19
